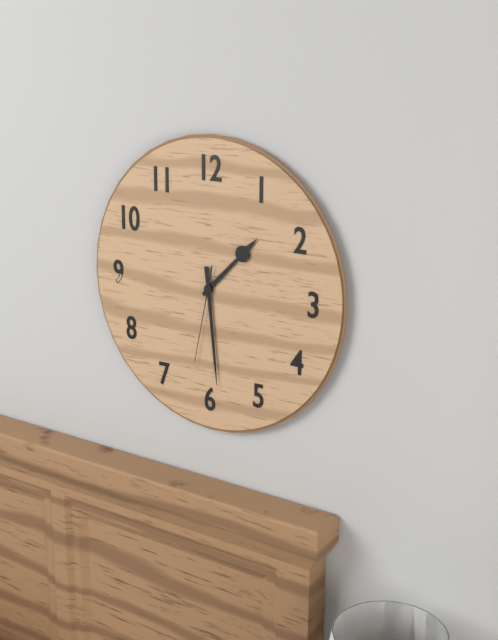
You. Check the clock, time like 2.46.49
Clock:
1.29.32
